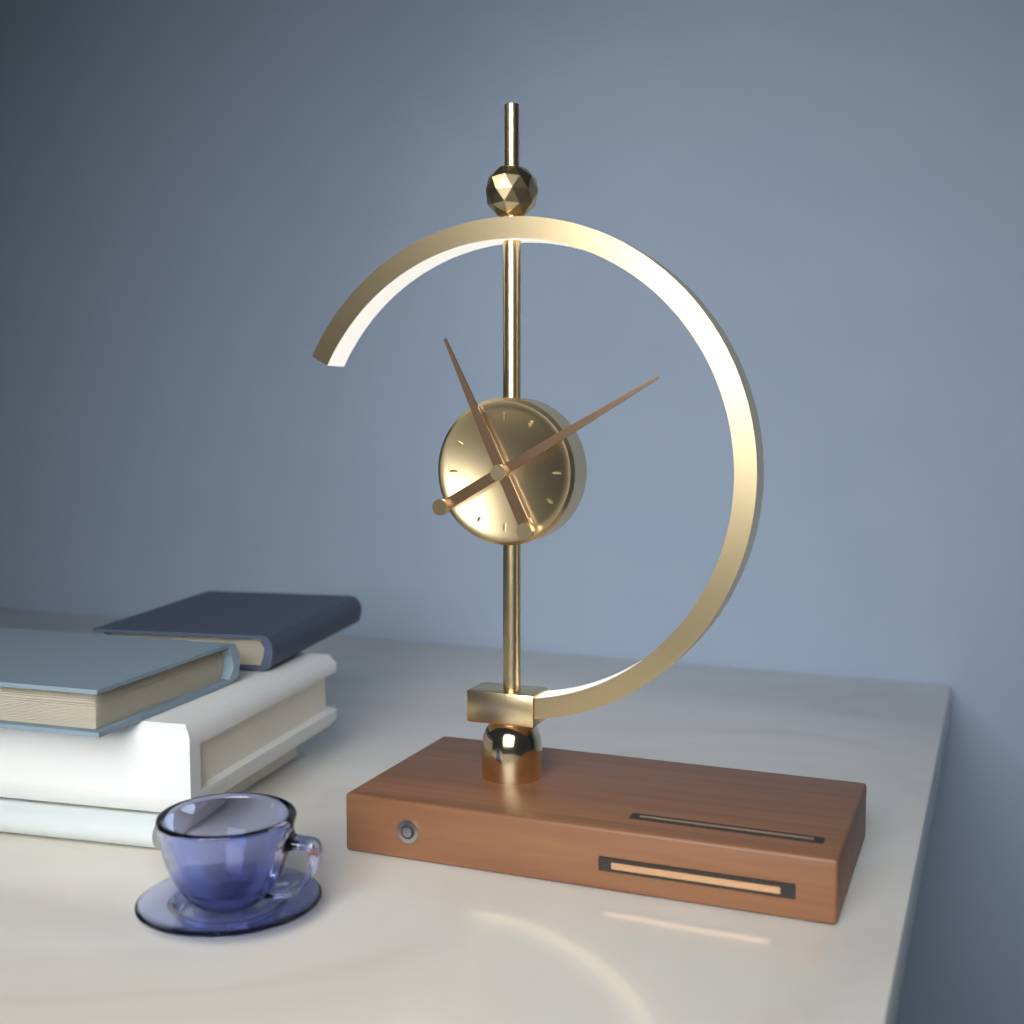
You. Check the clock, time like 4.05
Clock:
11.10
